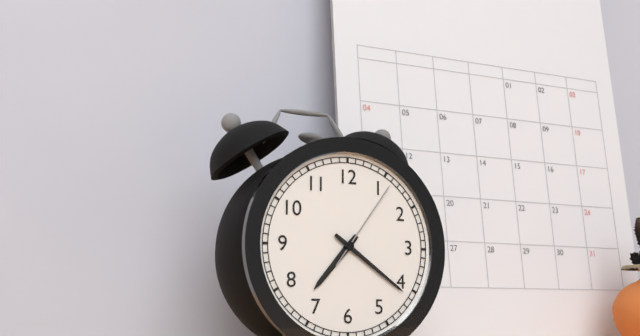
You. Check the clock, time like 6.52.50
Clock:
7.21.06
